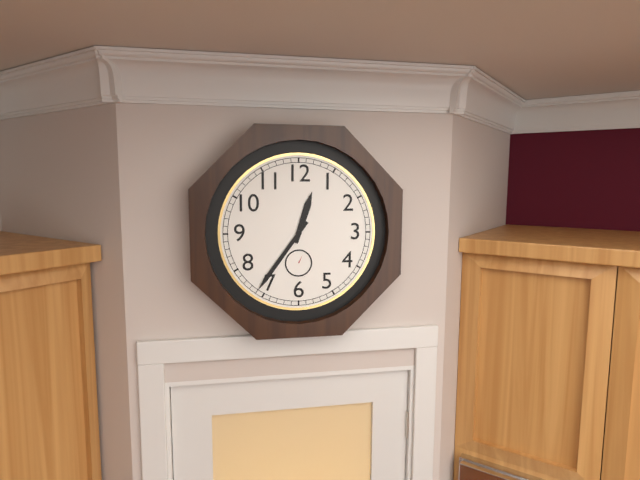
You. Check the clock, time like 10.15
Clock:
12.36
